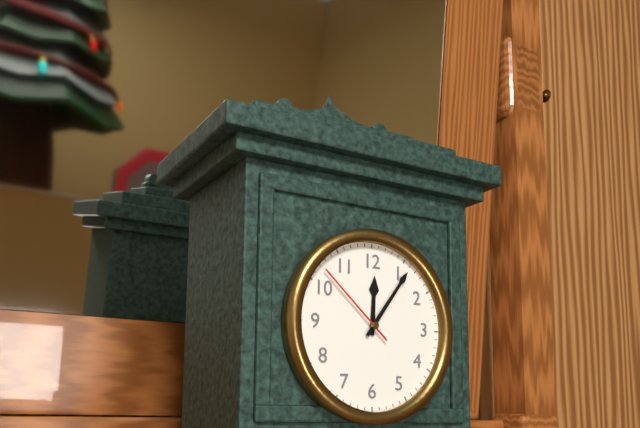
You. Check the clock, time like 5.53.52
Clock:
12.06.52
